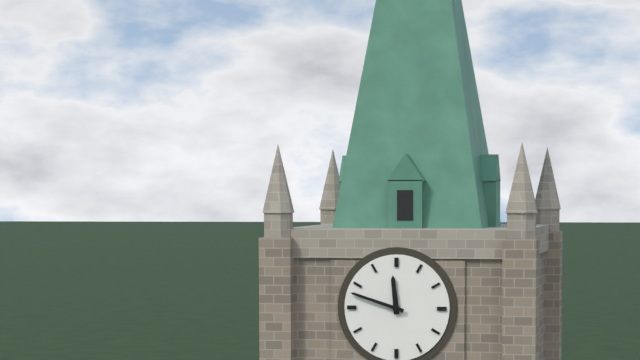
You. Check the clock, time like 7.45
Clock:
11.48
